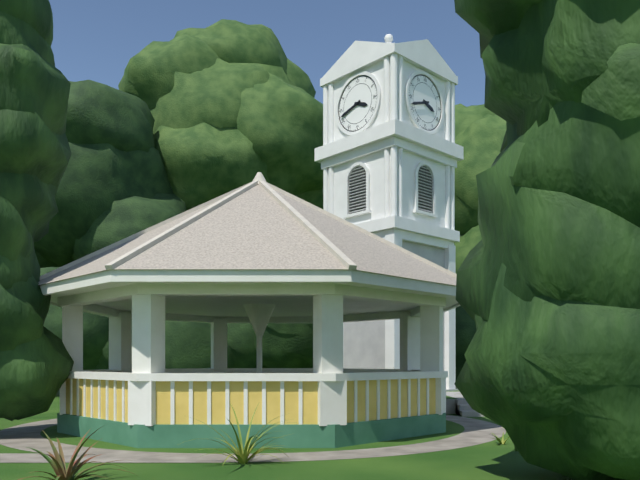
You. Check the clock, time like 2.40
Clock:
3.42
